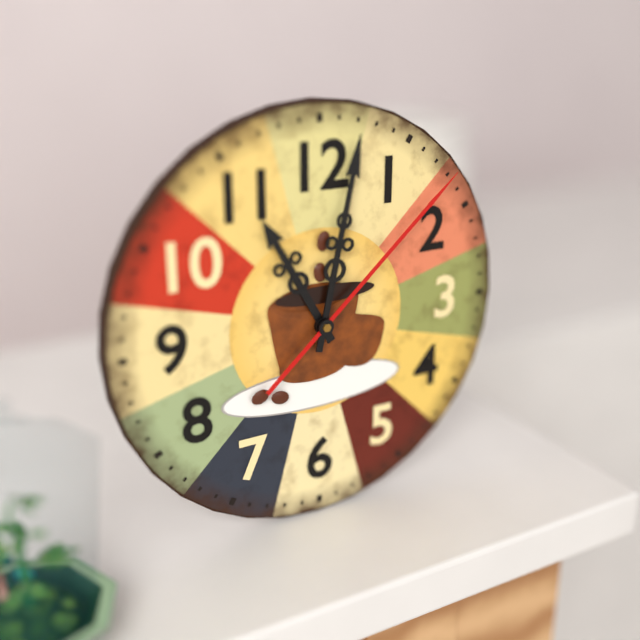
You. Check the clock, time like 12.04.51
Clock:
11.02.08
